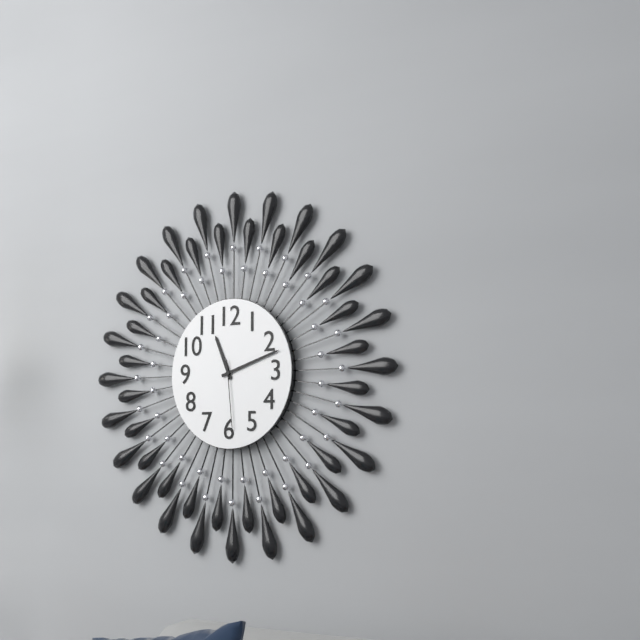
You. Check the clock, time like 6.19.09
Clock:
11.12.29
